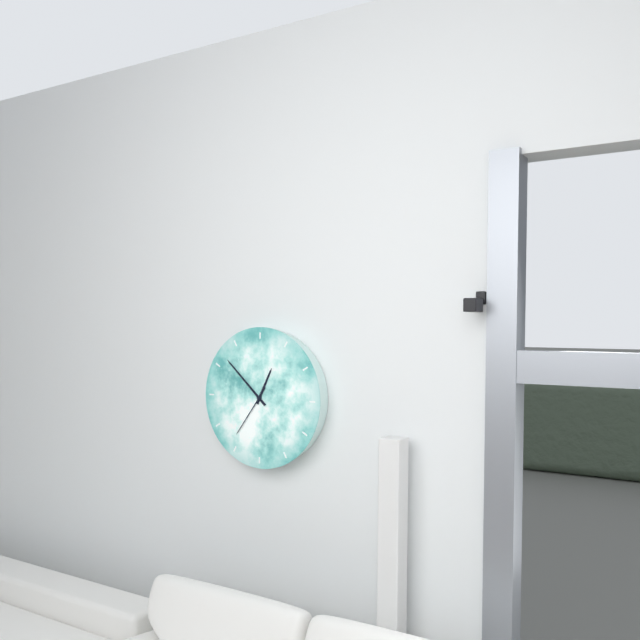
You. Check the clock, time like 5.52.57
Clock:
12.52.36
